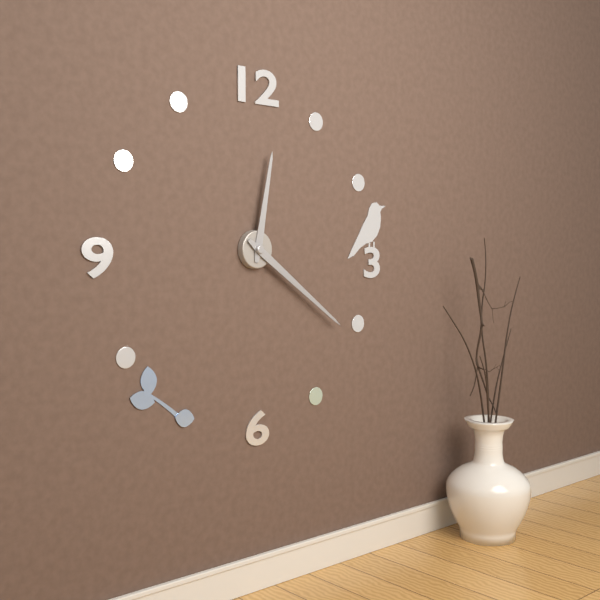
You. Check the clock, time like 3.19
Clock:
12.21
